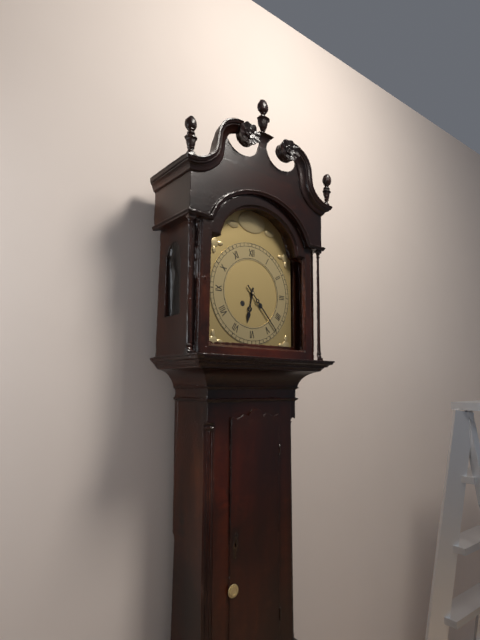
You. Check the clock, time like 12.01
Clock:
6.23
